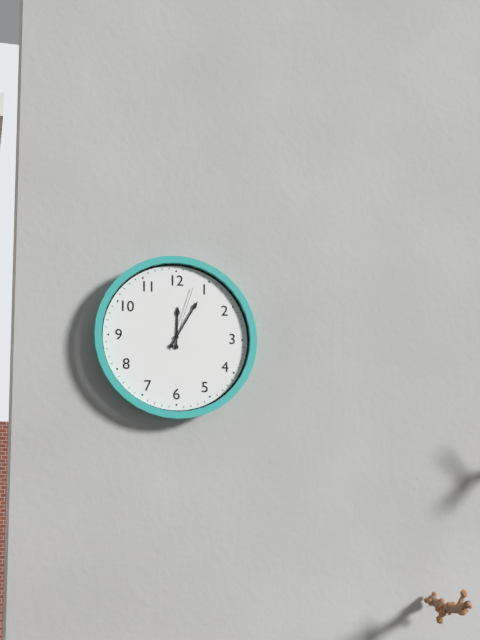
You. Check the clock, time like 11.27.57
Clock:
12.05.03
